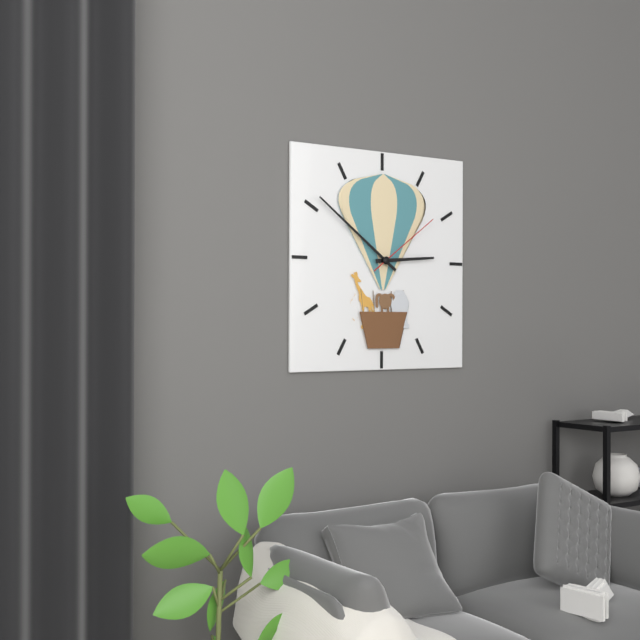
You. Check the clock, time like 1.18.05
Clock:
2.51.09
